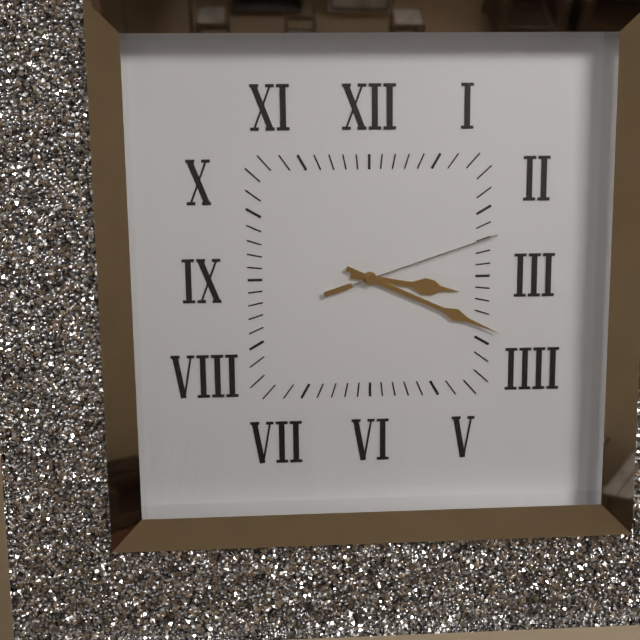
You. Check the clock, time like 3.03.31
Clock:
3.19.12
